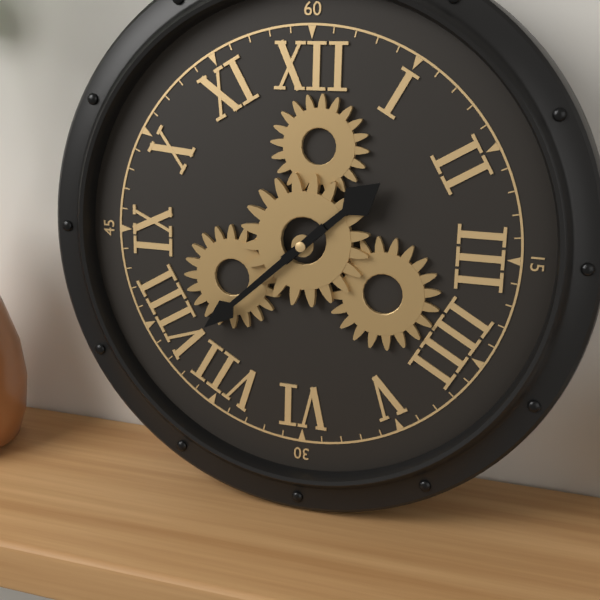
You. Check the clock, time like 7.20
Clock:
1.38
